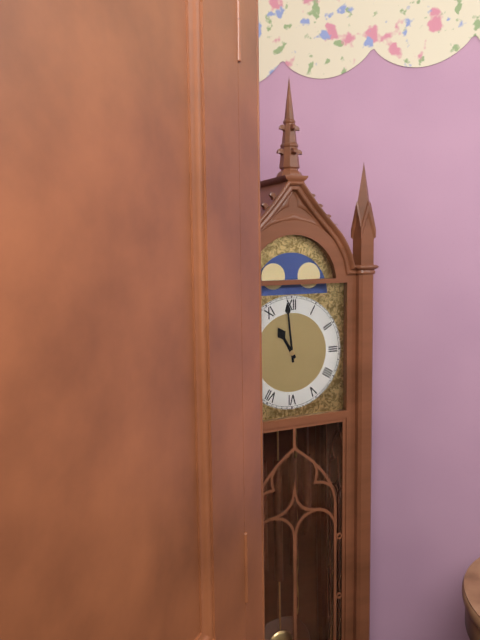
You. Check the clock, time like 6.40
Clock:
10.59
